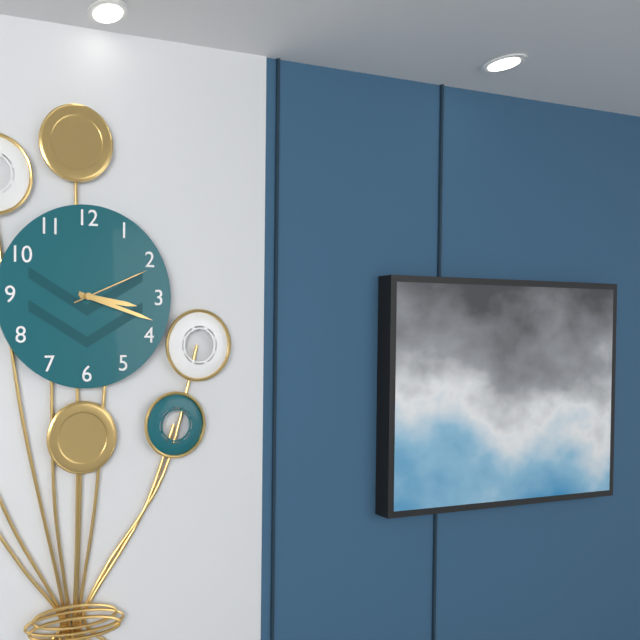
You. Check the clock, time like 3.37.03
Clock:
3.18.11
